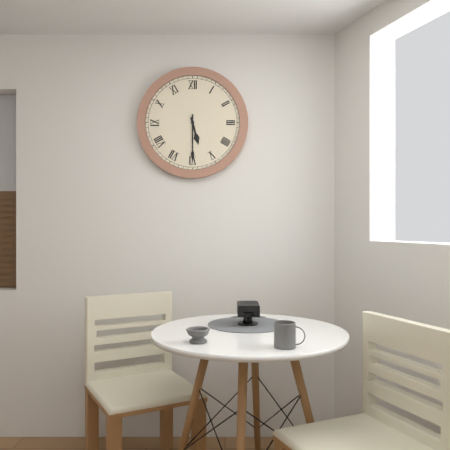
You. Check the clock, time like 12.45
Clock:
5.30
